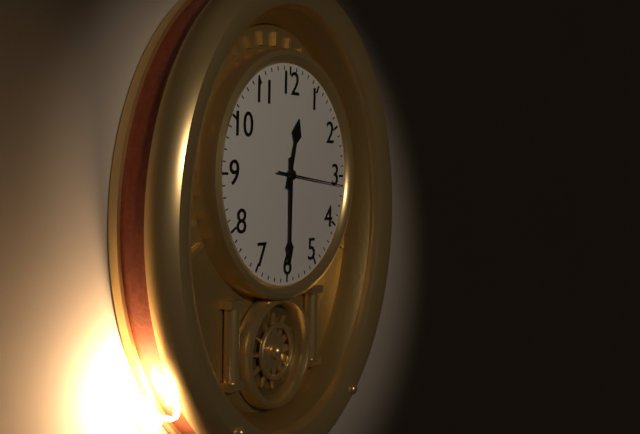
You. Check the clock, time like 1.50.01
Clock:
12.30.16
